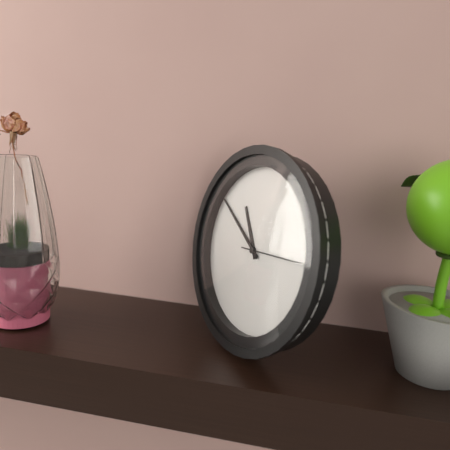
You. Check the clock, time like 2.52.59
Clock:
10.50.14
